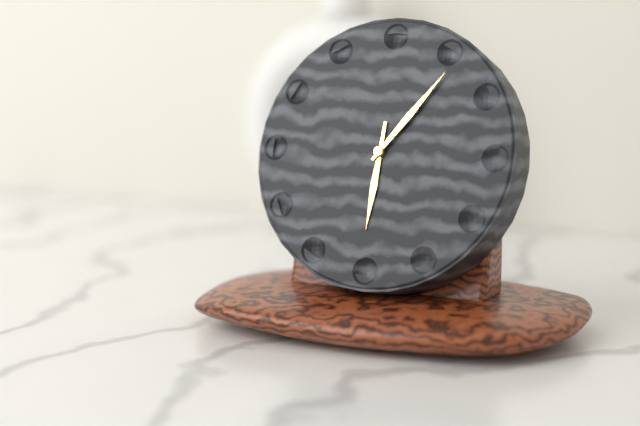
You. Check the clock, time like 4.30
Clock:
6.06
